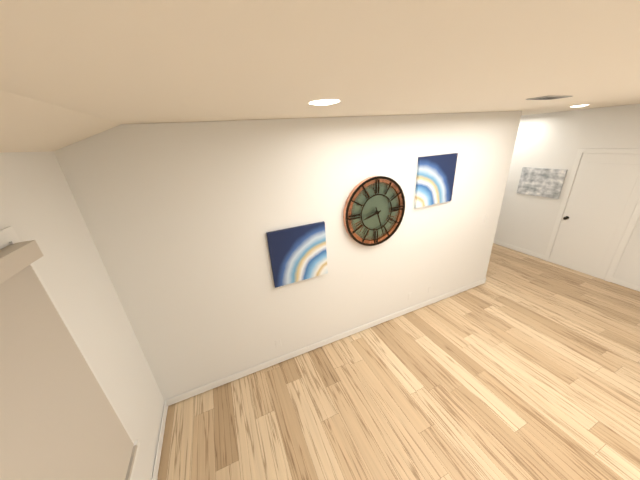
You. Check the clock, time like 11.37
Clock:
8.27
